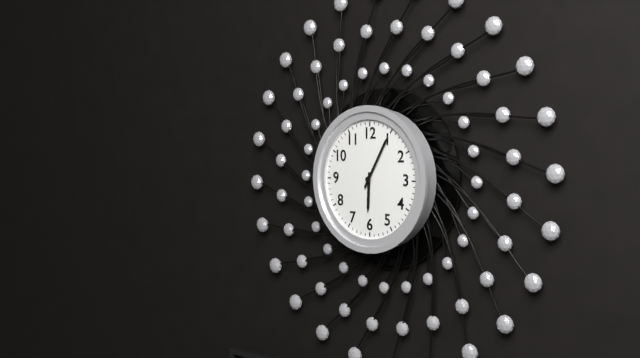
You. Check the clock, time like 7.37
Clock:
6.05
